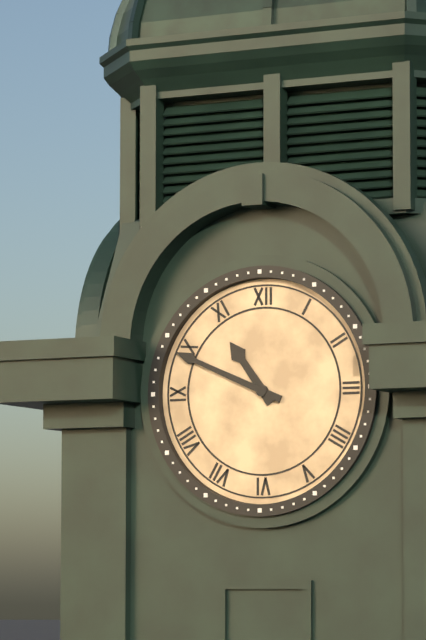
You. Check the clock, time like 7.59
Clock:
10.49
